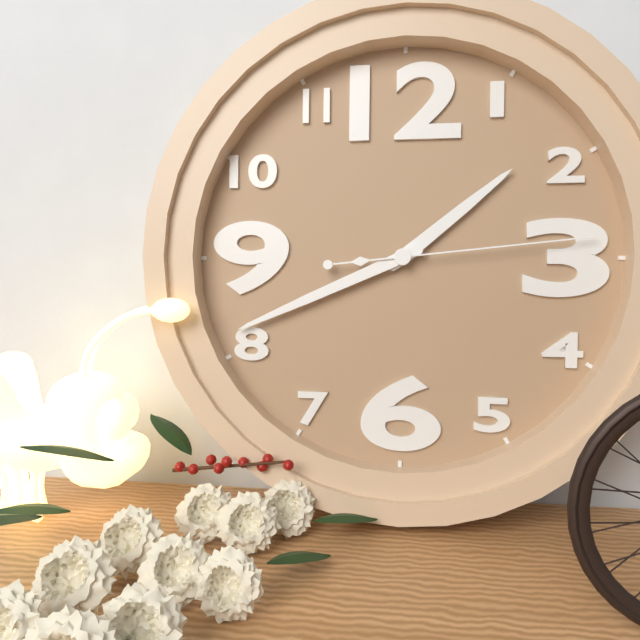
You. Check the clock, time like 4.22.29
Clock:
1.41.14
